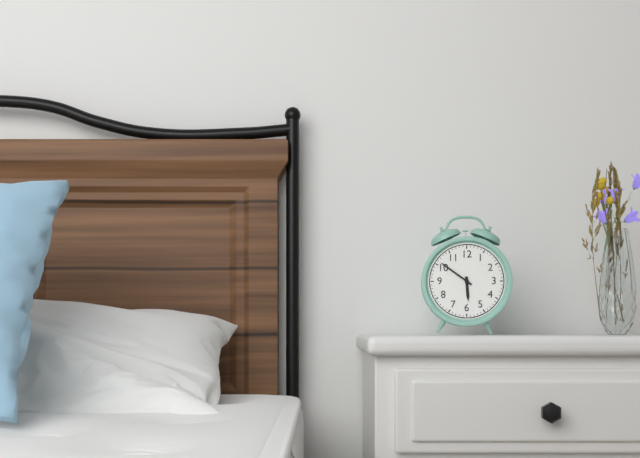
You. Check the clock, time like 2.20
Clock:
5.51
